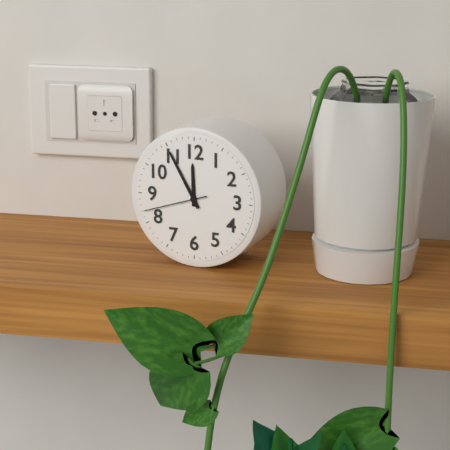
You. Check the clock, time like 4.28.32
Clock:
11.55.42
